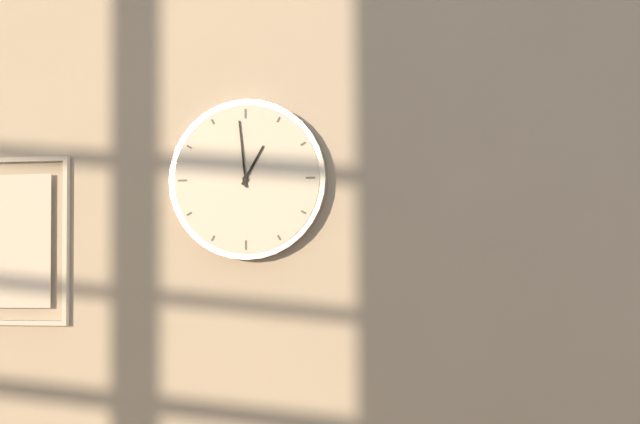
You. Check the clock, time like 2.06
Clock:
12.59
